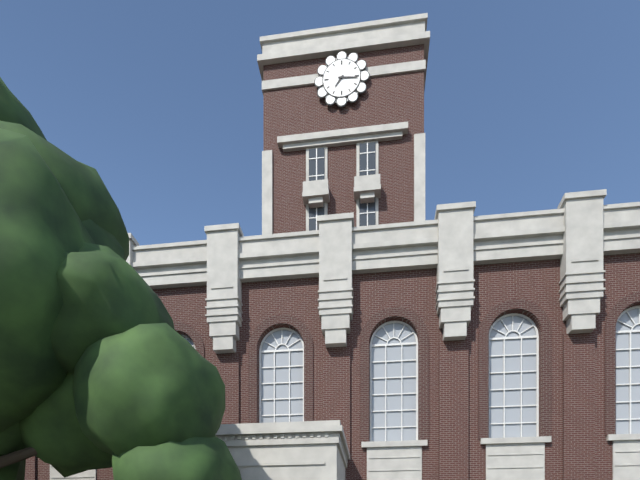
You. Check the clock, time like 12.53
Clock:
7.16
